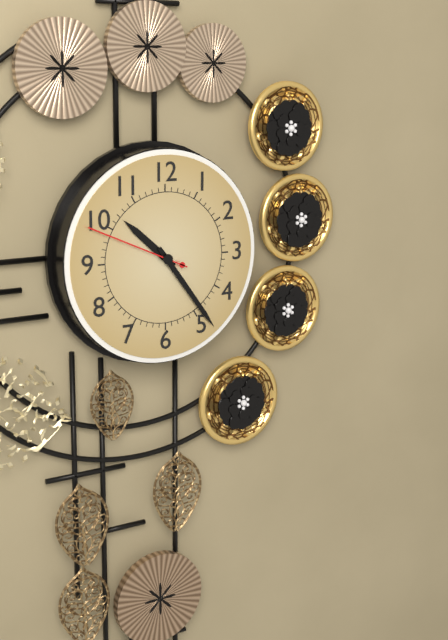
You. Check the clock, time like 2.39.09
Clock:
10.24.49
